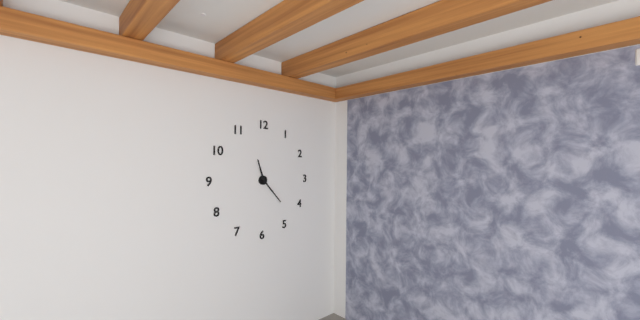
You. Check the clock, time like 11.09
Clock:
11.23
